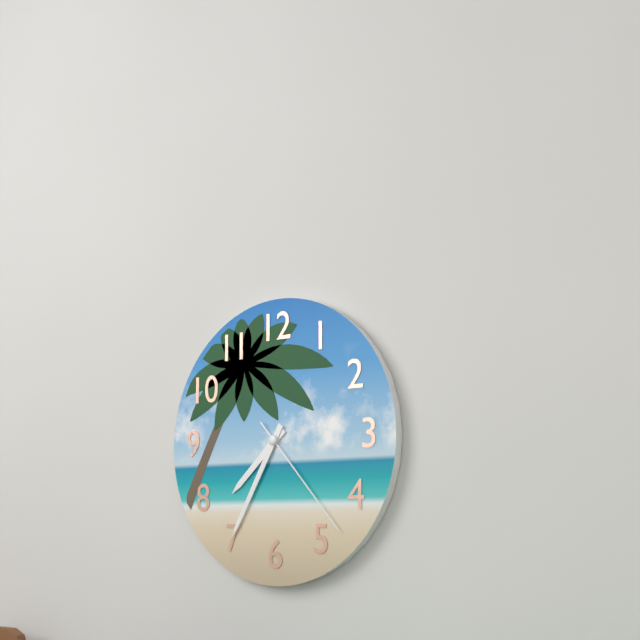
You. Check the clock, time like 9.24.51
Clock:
7.35.23
